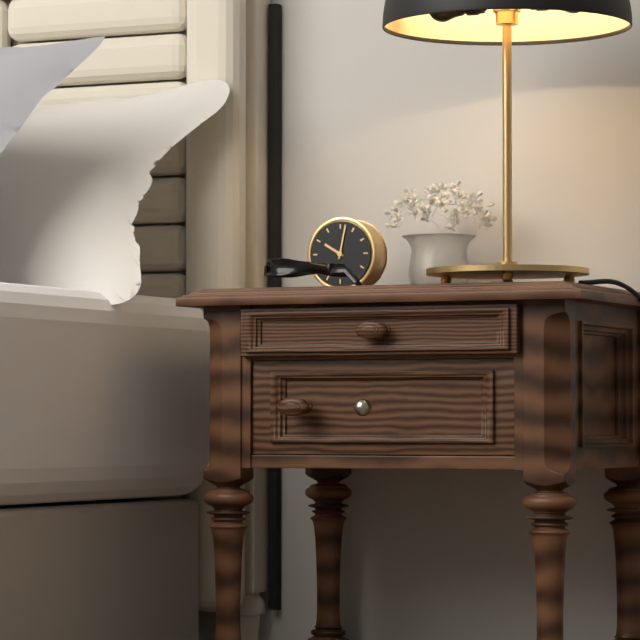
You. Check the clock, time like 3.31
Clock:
10.02
